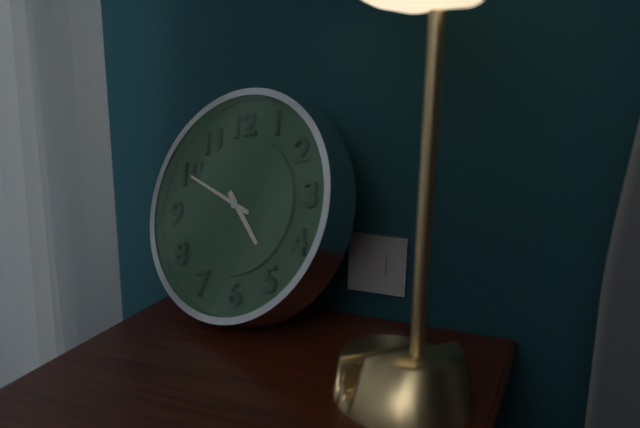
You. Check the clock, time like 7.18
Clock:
4.50
